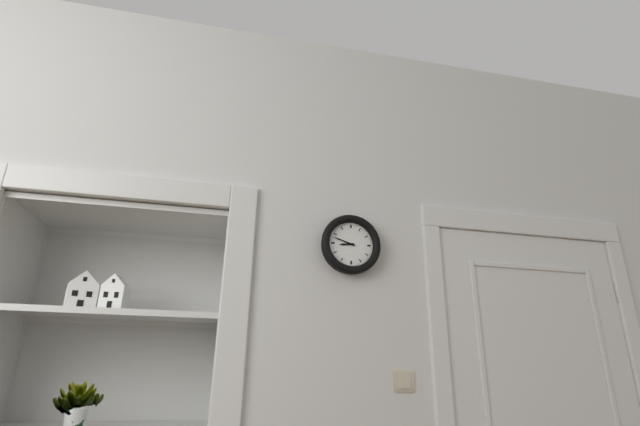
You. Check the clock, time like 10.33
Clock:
8.48
